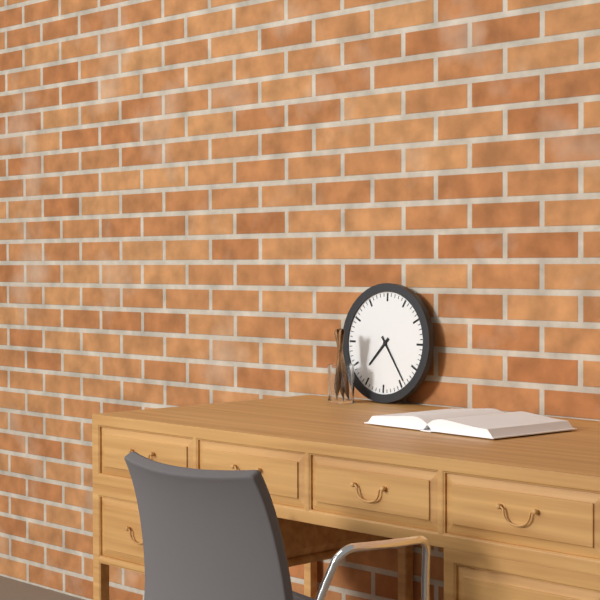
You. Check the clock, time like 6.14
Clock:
7.24
